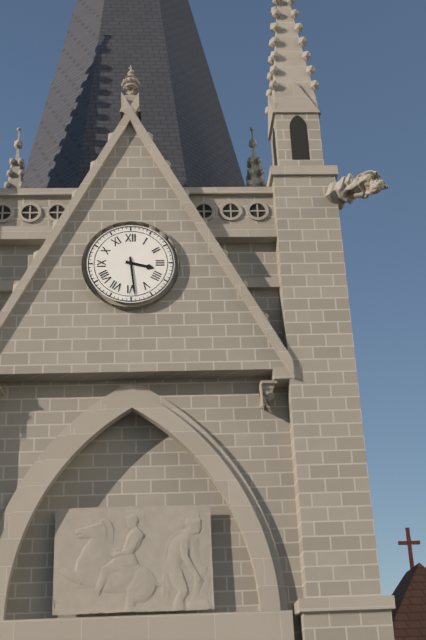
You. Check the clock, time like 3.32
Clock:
3.29
